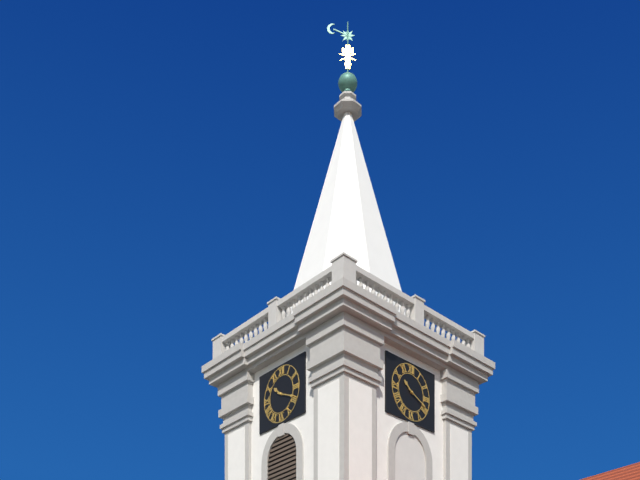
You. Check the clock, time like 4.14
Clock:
10.19
